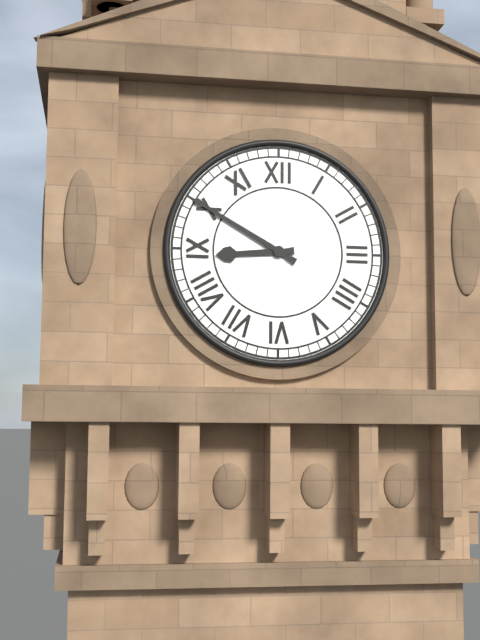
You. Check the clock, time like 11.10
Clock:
8.50
